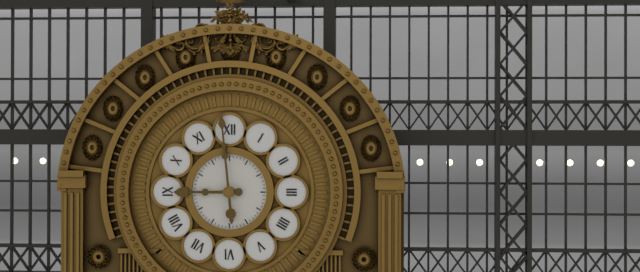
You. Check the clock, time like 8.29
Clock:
8.59
